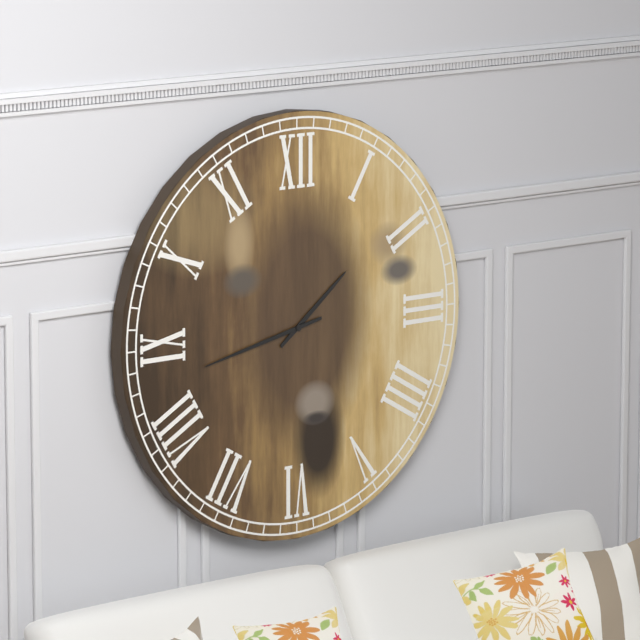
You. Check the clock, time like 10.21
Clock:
1.43
